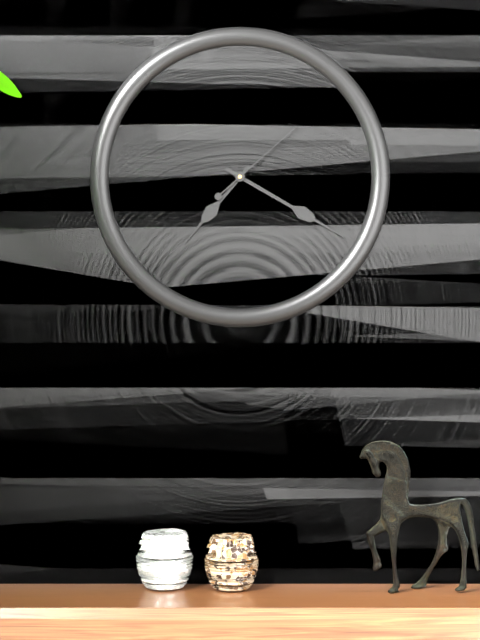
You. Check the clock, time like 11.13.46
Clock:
7.20.08
